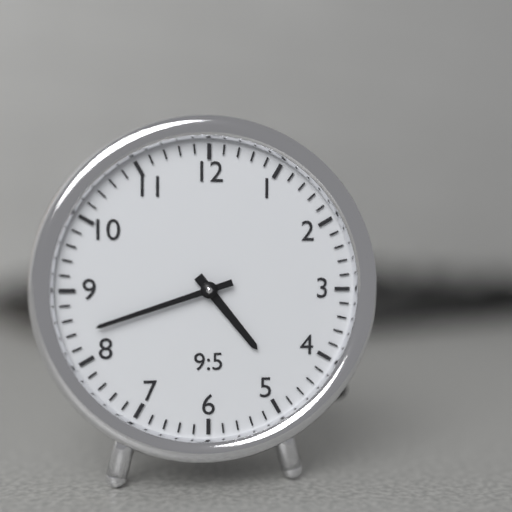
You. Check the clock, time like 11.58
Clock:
4.42
